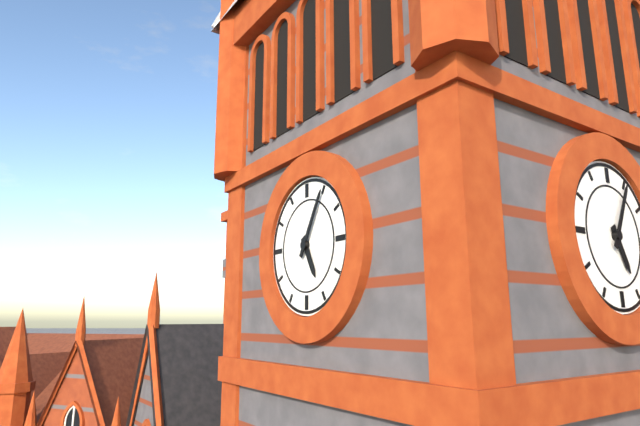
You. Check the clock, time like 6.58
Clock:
5.05
